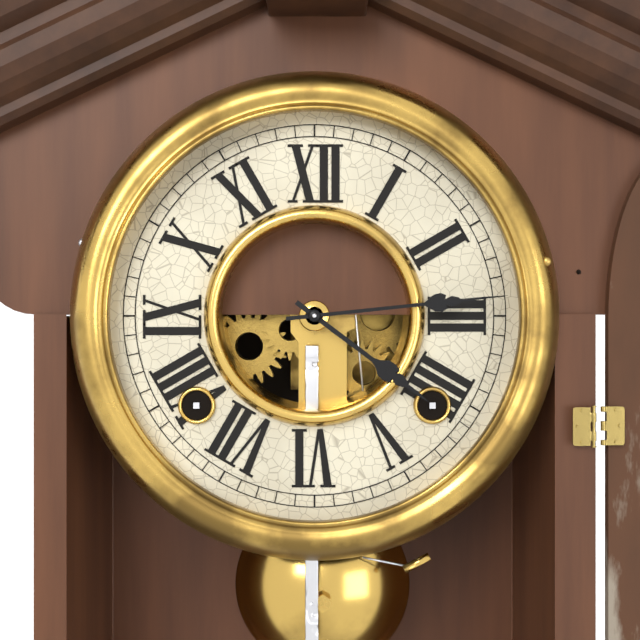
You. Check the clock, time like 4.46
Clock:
4.14
